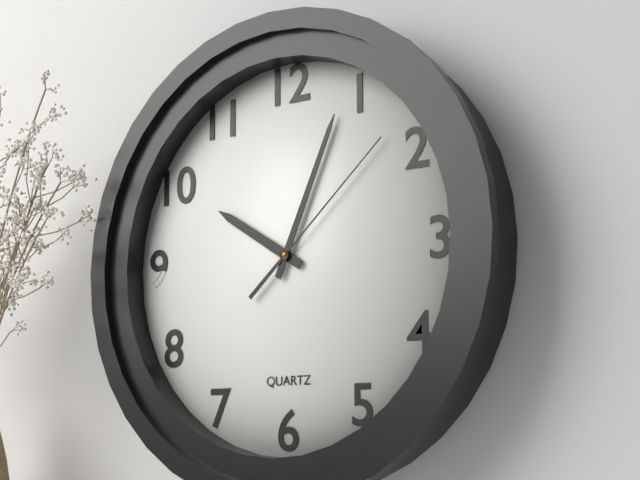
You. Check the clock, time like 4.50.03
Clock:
10.04.08
